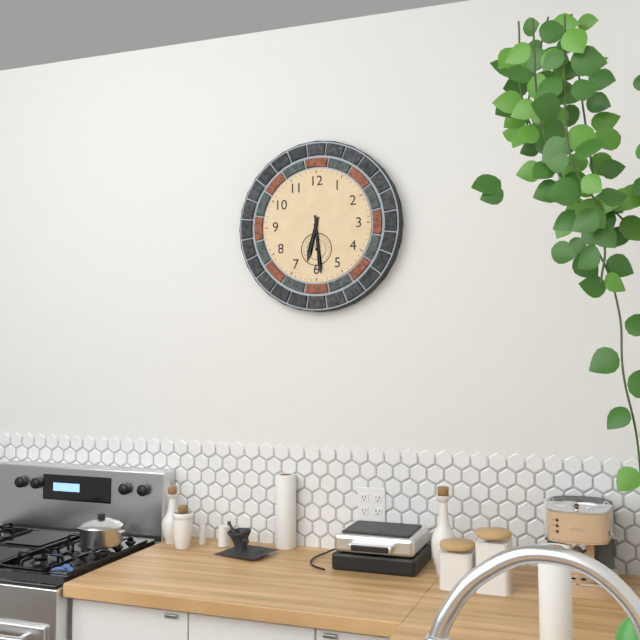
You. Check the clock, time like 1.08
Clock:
6.29
